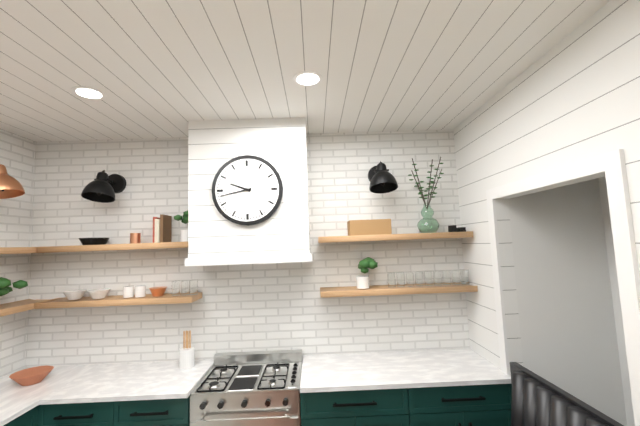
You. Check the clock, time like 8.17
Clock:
9.43
